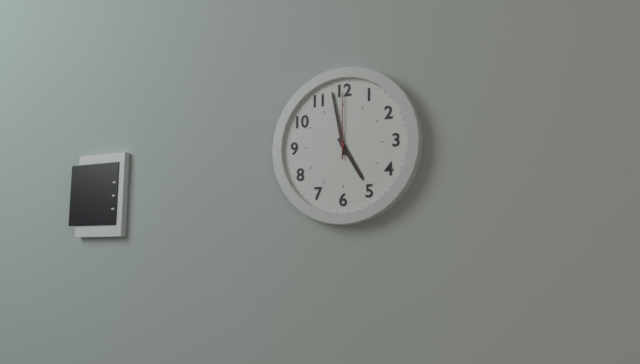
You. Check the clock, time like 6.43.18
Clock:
4.58.00
